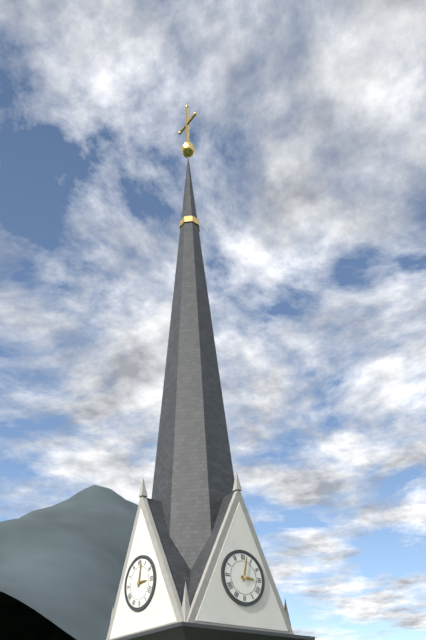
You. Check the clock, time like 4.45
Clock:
3.02
